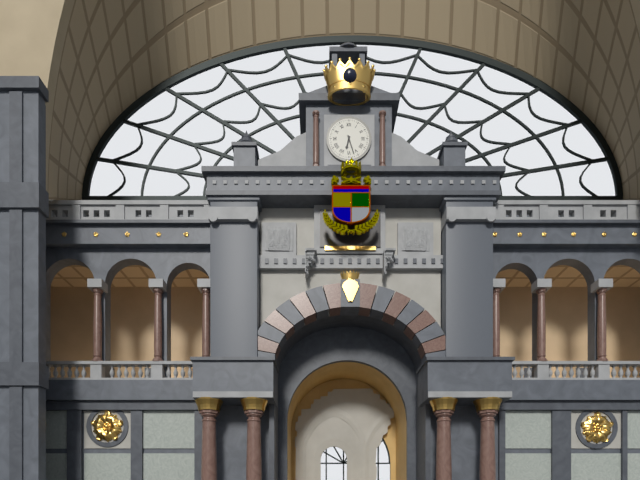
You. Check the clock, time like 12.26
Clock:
6.27
